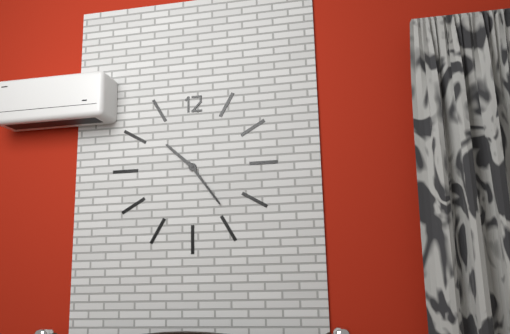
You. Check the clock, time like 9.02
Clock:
10.24
